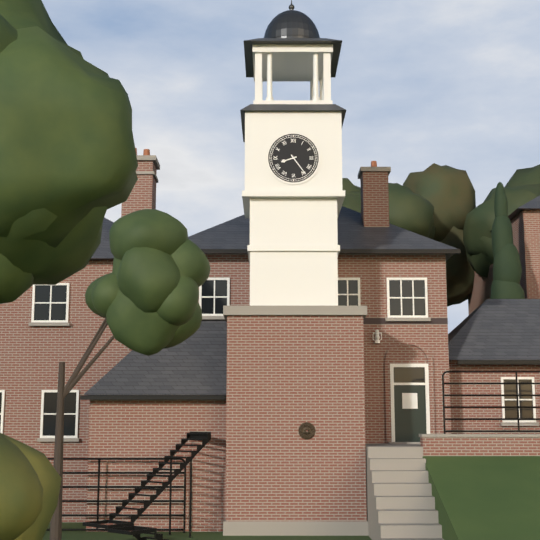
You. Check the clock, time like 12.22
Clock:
8.24
